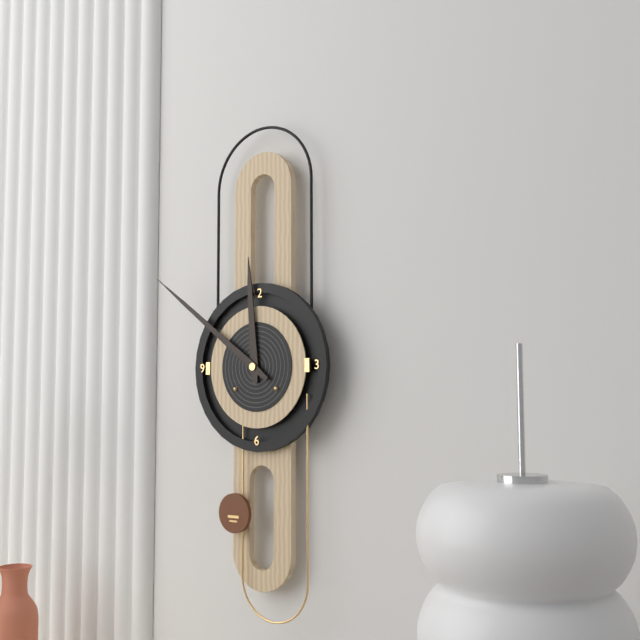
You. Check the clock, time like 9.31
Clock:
11.51
